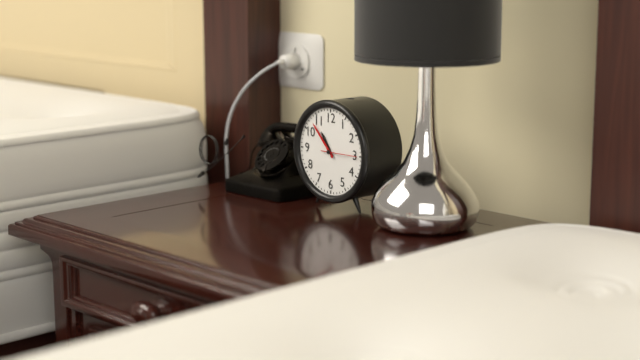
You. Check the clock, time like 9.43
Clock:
10.53
